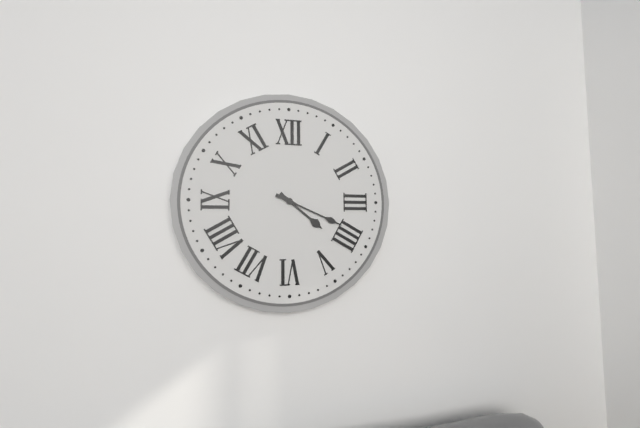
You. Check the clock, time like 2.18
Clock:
4.19
